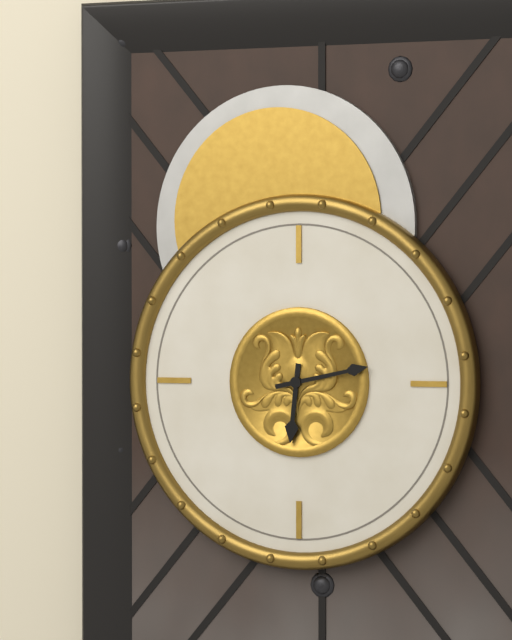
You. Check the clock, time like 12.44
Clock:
6.13
